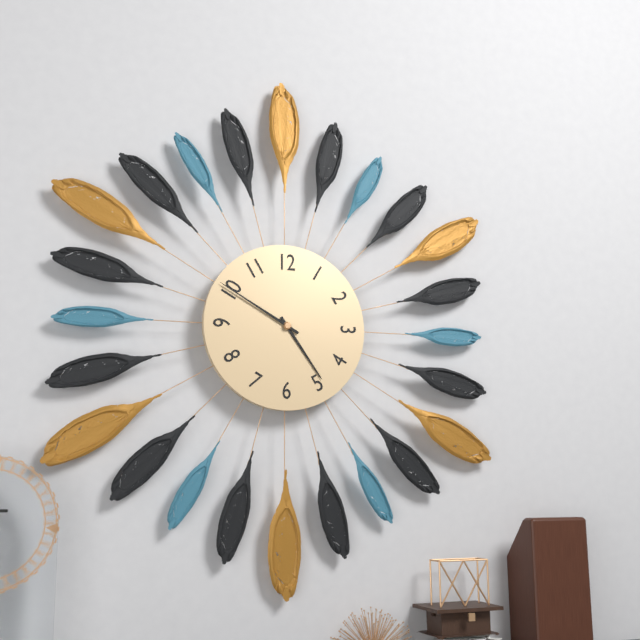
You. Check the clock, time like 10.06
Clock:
4.50
